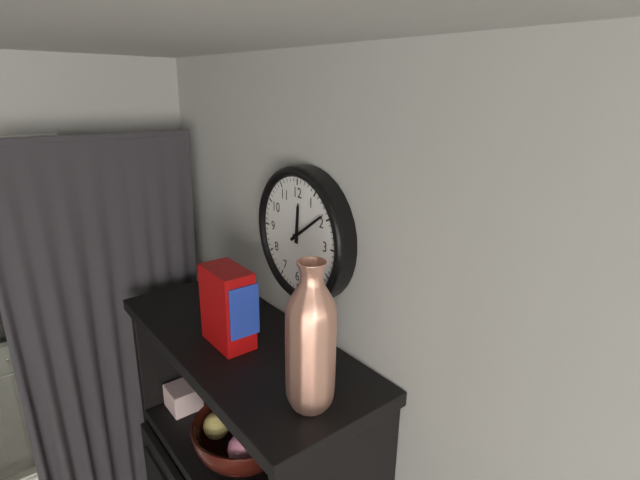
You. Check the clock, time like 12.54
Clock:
12.09
